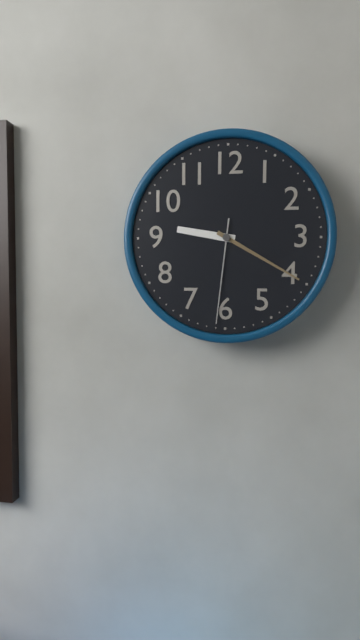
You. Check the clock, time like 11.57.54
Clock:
9.20.31
